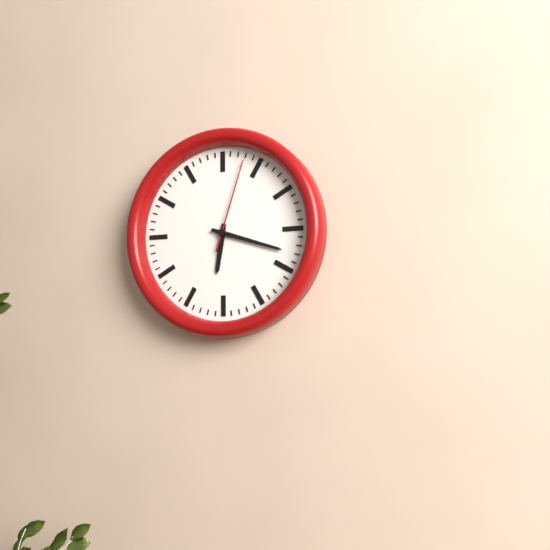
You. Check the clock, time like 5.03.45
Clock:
6.18.03
